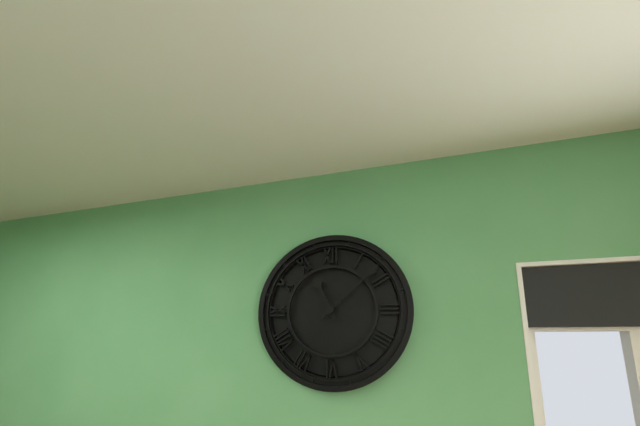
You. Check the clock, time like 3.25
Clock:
11.08
